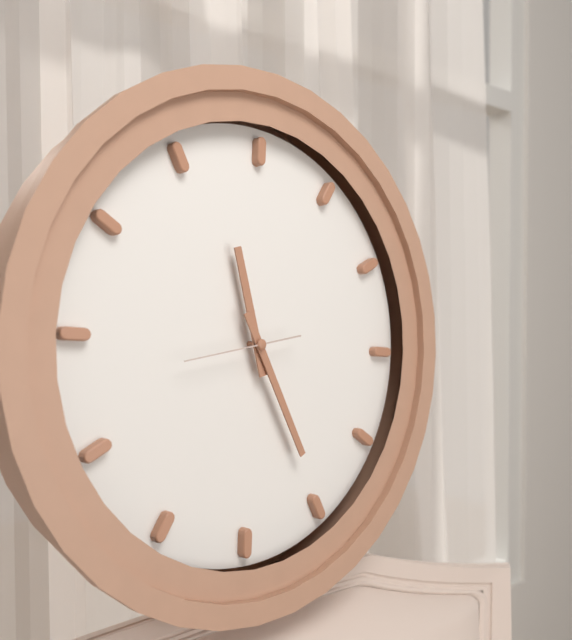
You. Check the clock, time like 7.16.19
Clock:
11.25.43
